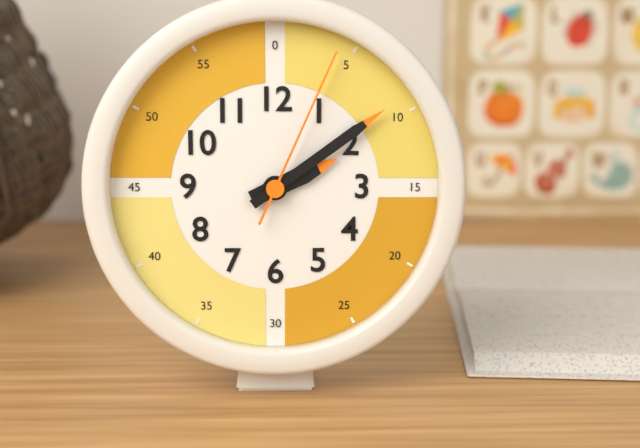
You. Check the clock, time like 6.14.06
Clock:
2.09.04
